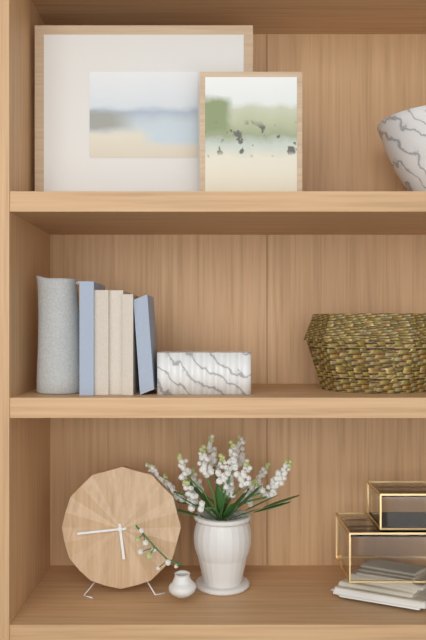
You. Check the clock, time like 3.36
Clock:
5.44
